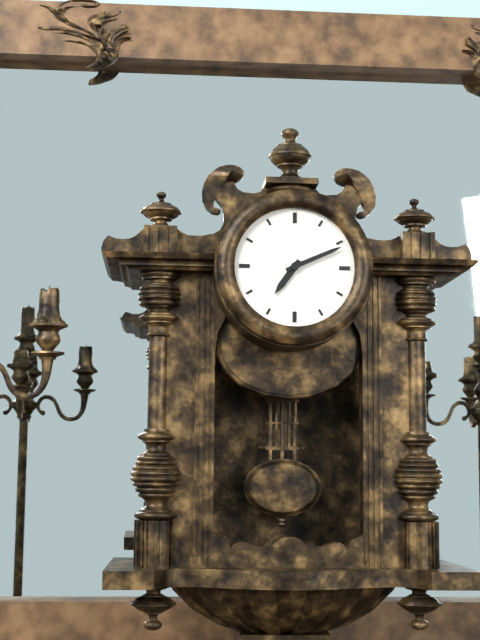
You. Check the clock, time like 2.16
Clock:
7.11
